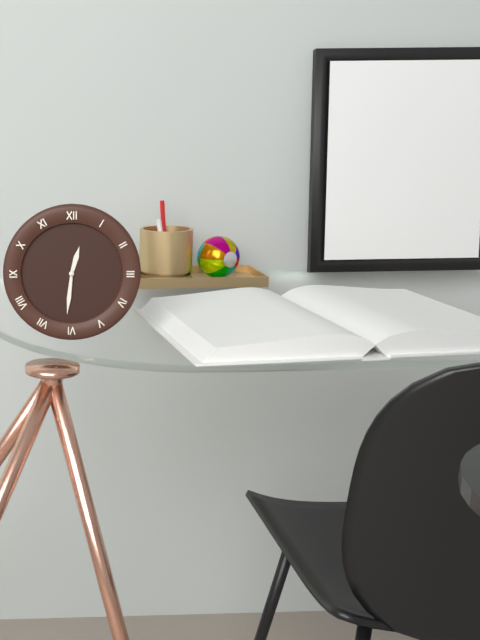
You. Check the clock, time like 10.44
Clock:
12.31
